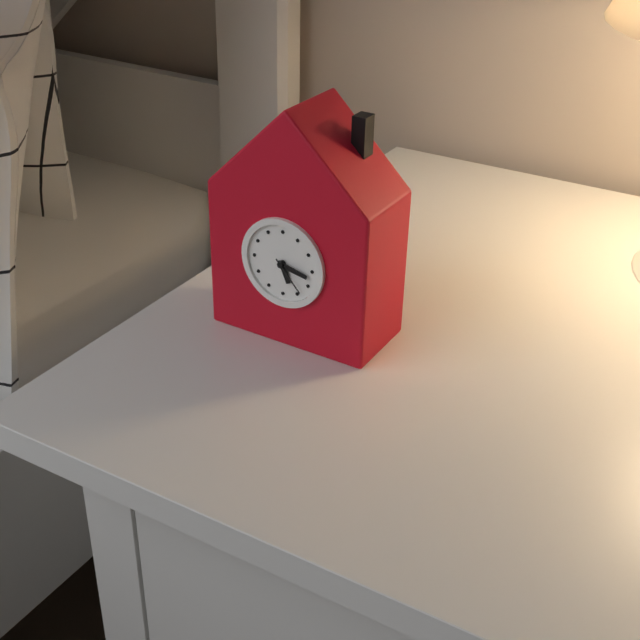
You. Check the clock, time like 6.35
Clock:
5.17
